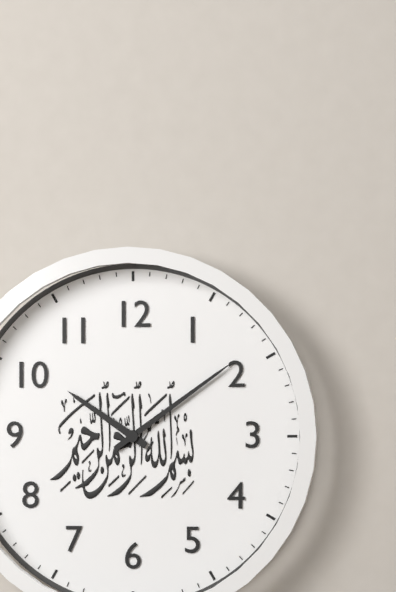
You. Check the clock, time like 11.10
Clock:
10.09
